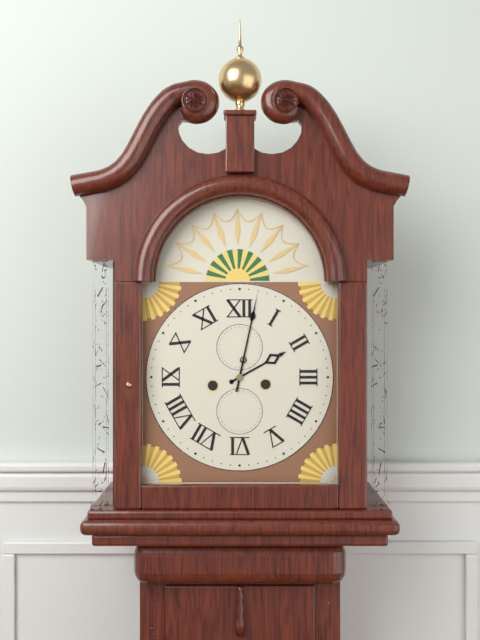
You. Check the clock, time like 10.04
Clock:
2.02
